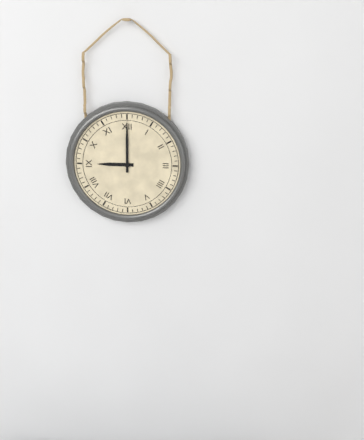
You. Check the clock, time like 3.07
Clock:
9.00
